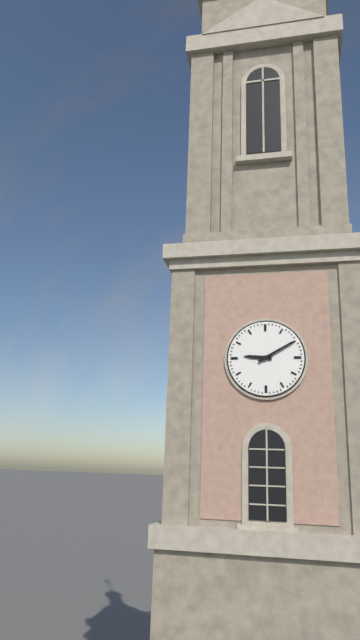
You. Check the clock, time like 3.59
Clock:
9.10
